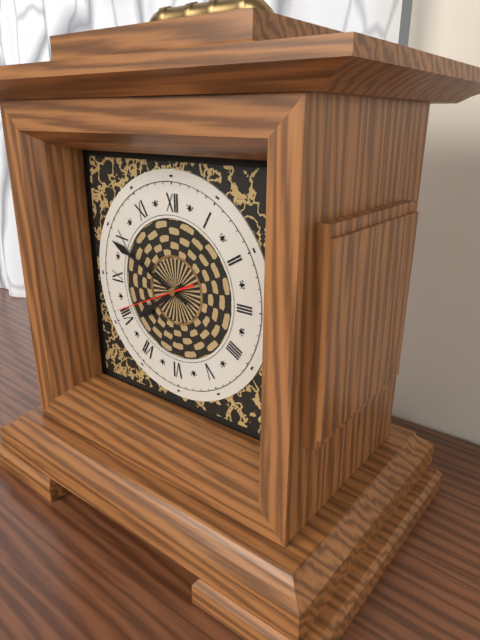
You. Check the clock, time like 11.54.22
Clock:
7.49.41
